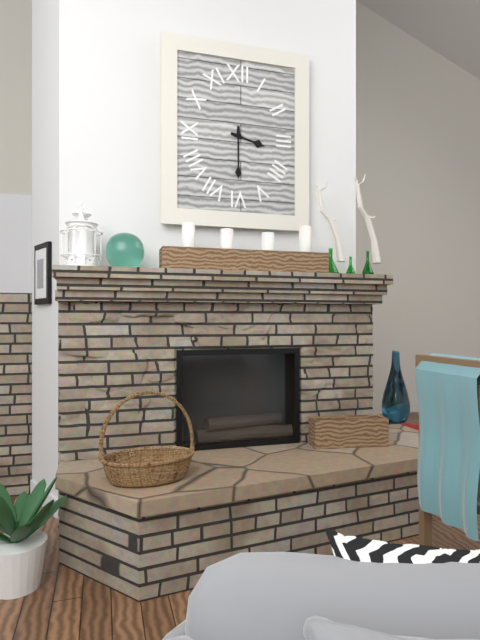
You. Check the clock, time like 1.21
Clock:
3.30
